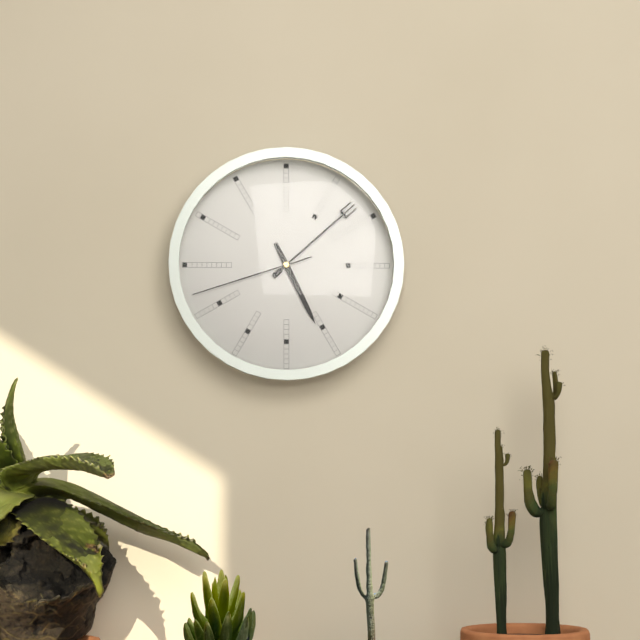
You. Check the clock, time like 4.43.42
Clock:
5.08.42
